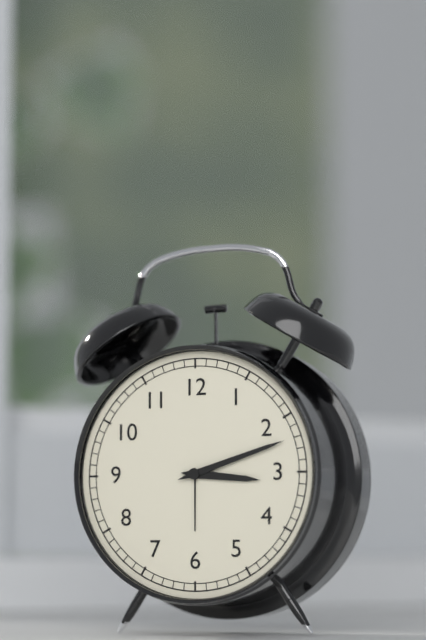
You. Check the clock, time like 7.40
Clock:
3.12
